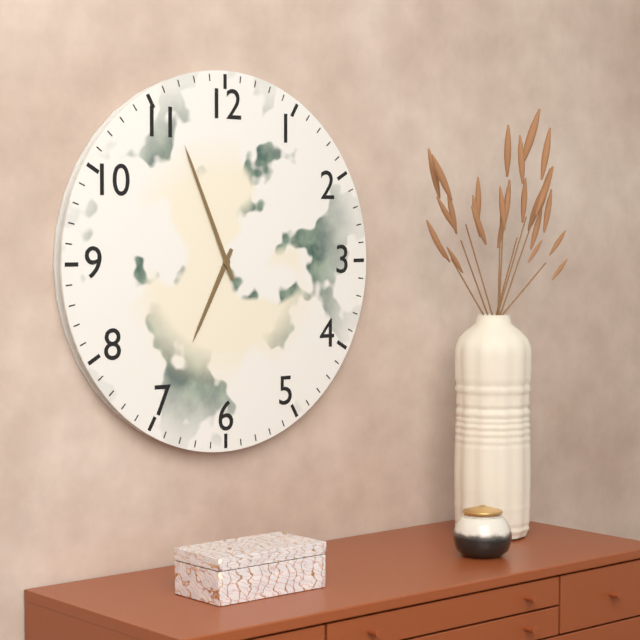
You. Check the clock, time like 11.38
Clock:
6.56
